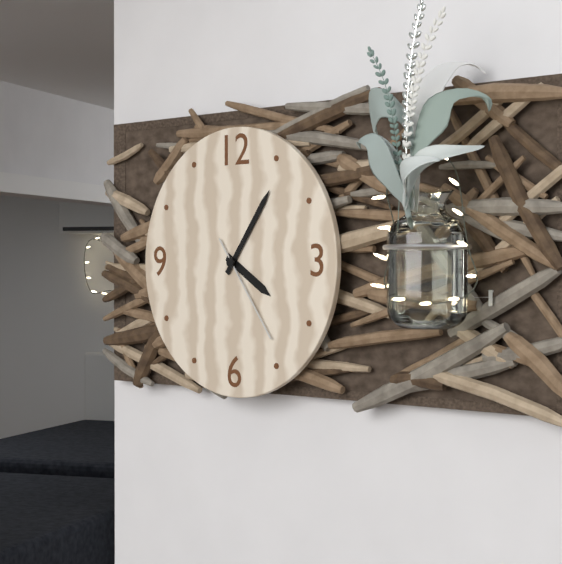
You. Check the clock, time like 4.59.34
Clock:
4.06.24
